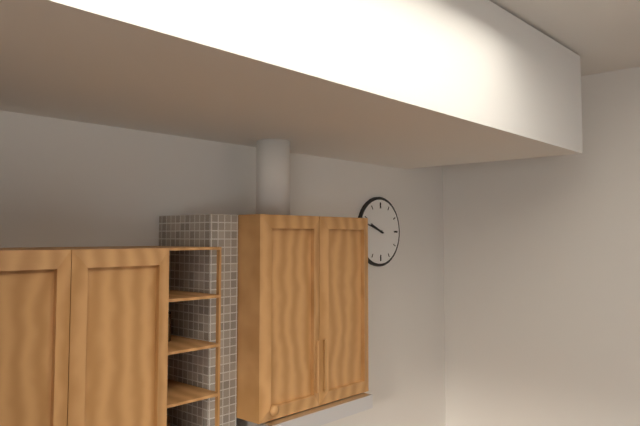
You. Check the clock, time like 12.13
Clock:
9.48
